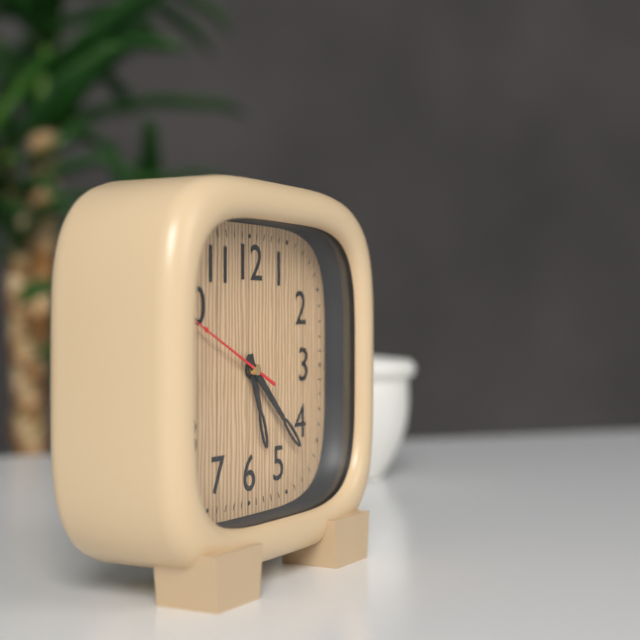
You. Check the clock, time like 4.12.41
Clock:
5.22.49
